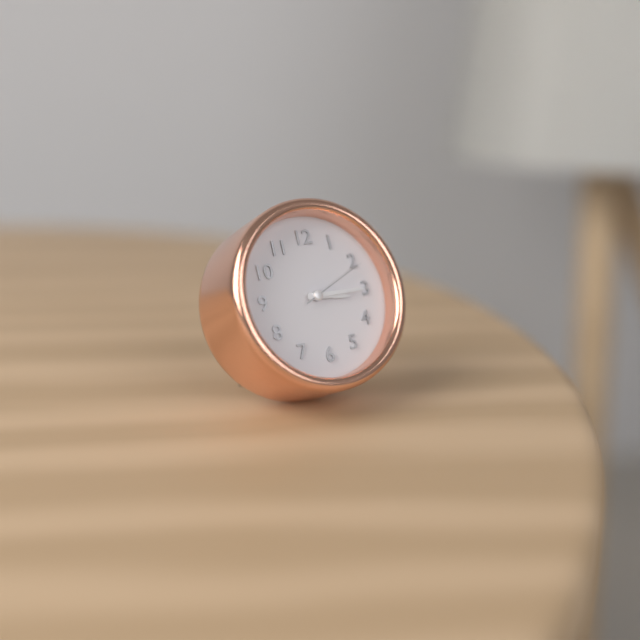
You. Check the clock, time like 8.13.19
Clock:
3.15.11
